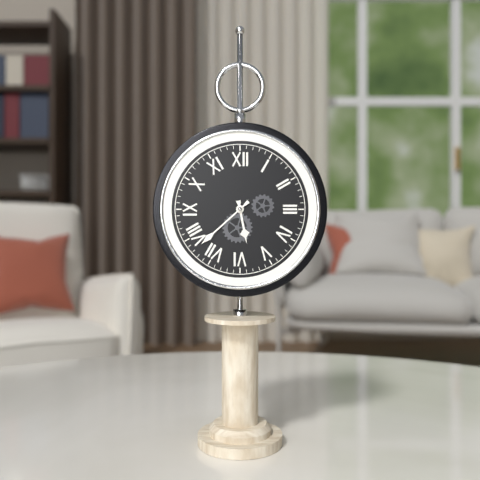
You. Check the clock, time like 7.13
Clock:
5.38
